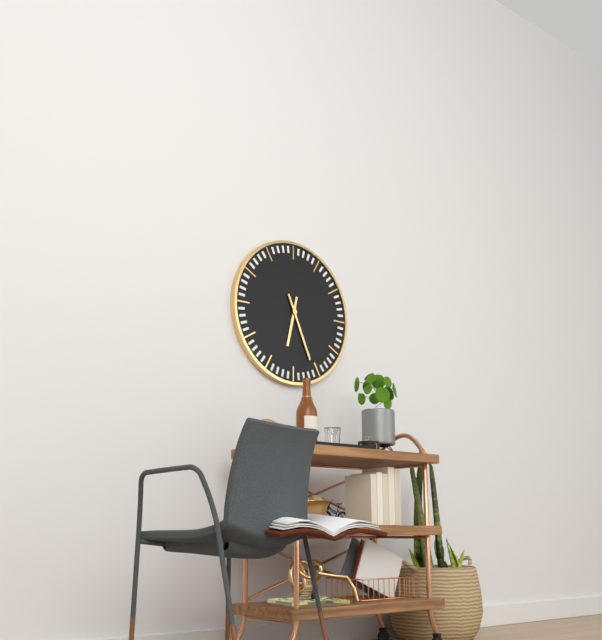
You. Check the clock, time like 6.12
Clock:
6.26
